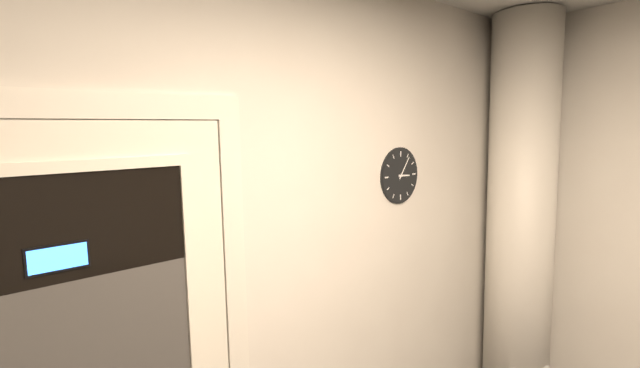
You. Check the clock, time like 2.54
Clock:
3.06
